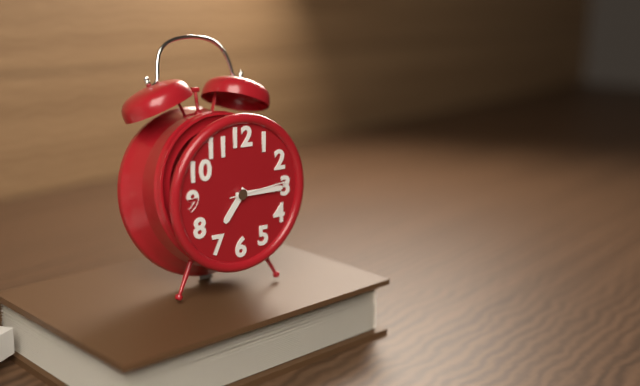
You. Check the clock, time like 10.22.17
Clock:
7.15.14
